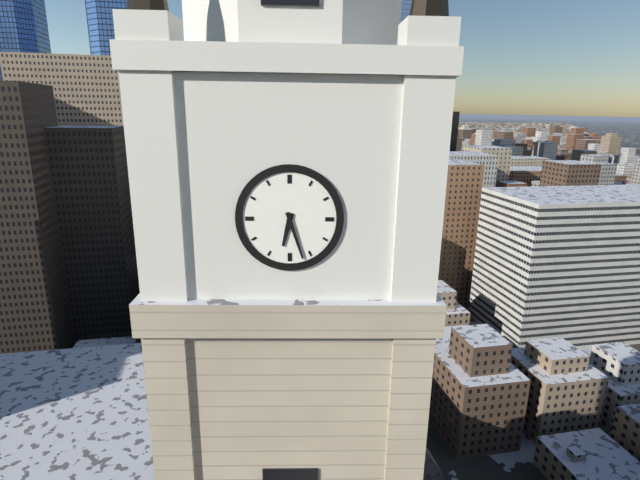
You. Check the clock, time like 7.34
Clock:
6.27
